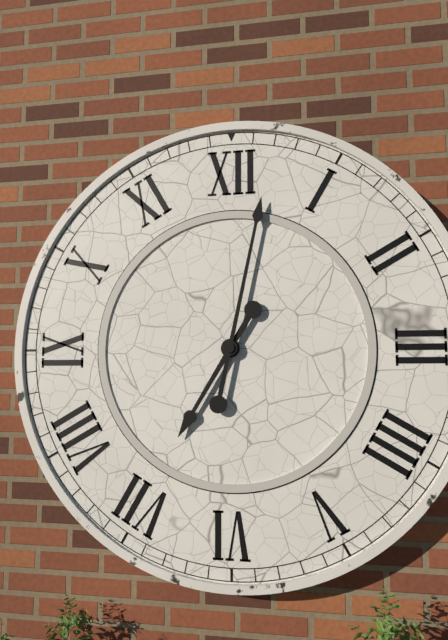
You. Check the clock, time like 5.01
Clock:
7.02
